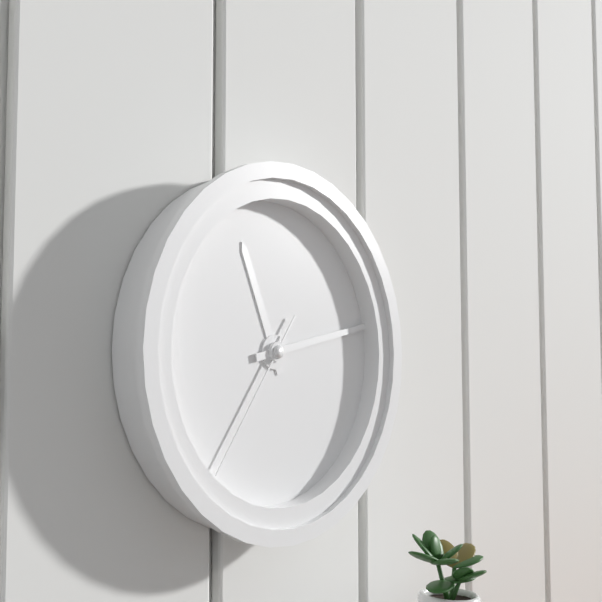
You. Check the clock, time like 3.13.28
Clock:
11.13.36
